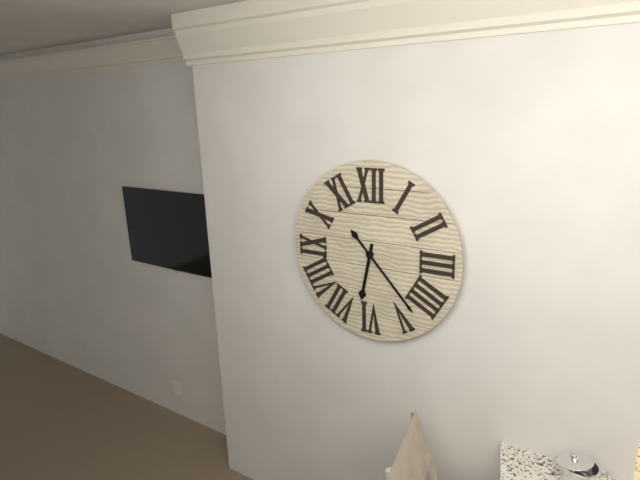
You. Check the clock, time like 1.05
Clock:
6.23
